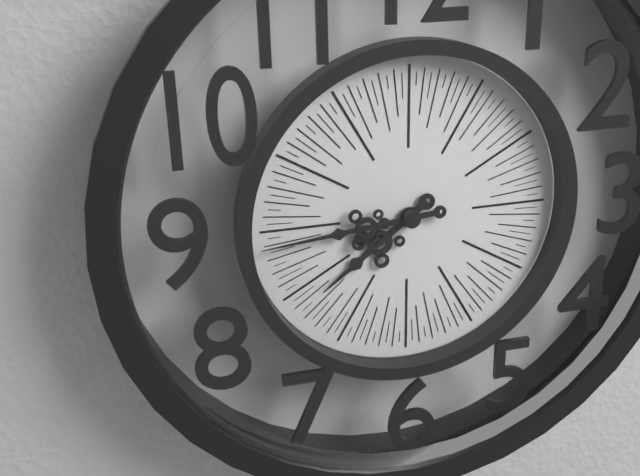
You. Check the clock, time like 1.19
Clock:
7.44
